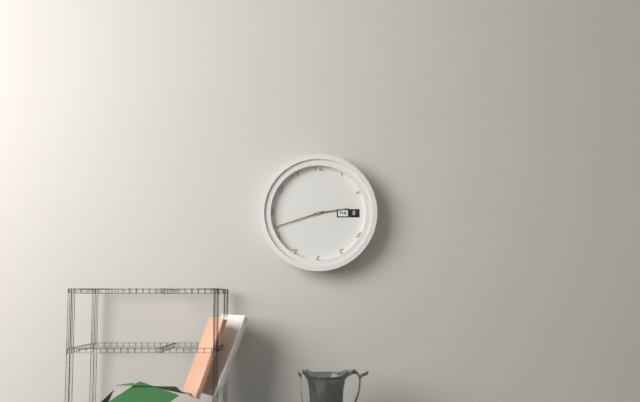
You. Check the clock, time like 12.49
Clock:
2.42
